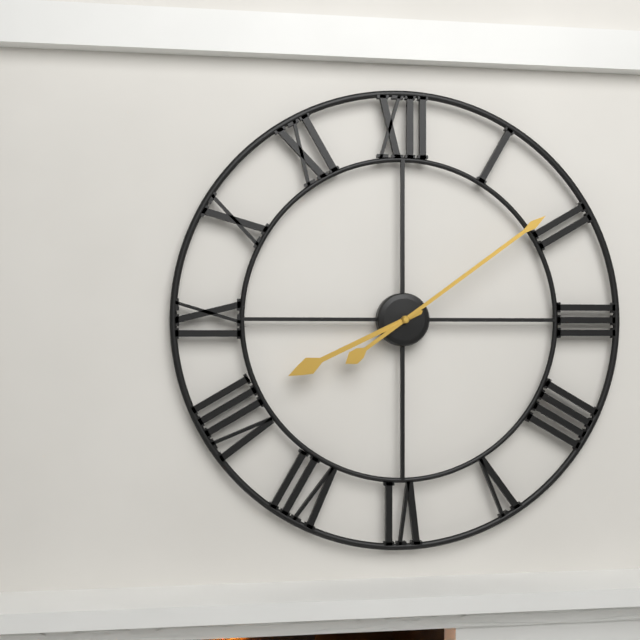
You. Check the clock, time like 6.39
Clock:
8.09
